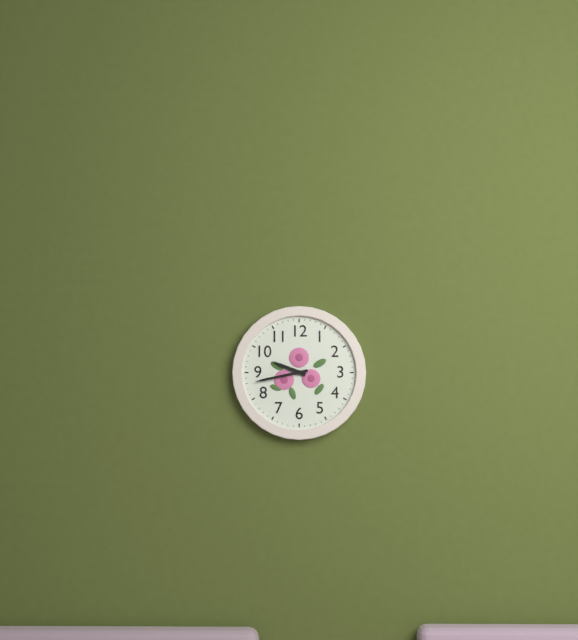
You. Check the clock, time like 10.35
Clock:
9.43
